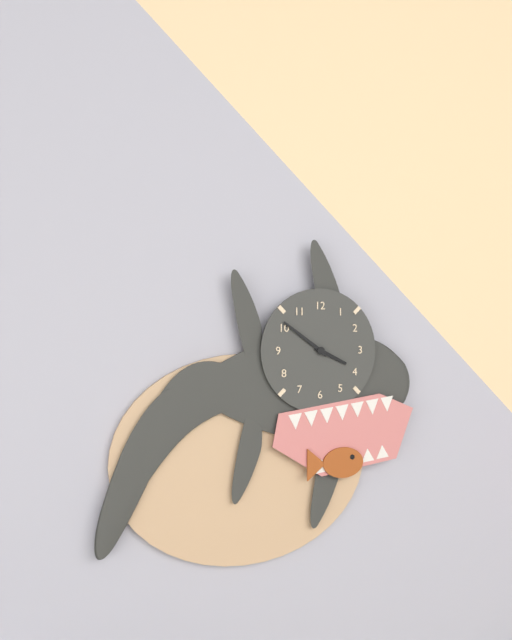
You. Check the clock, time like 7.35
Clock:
3.51
